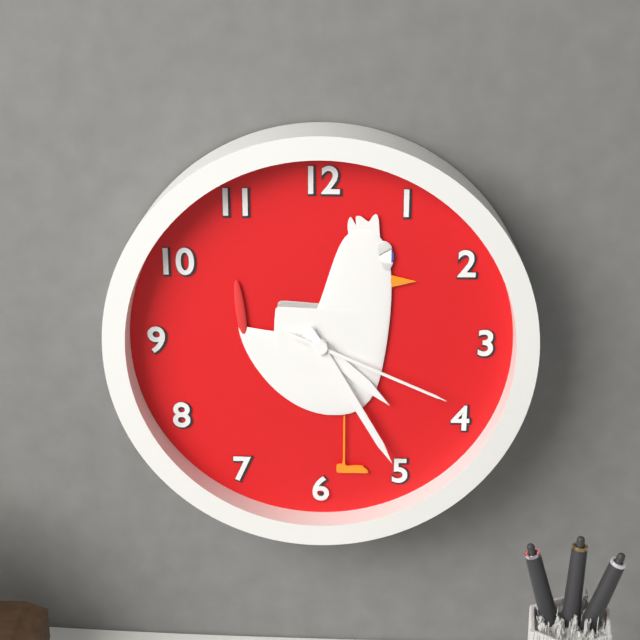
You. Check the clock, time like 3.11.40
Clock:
4.25.19
